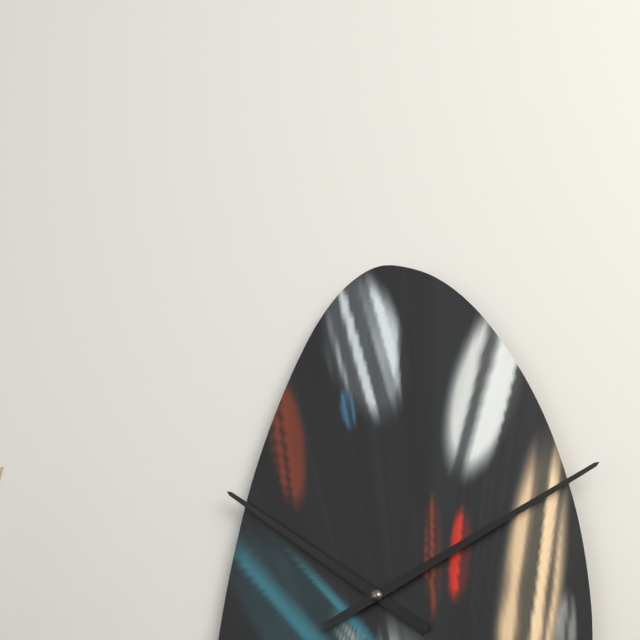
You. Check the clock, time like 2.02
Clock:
10.10
